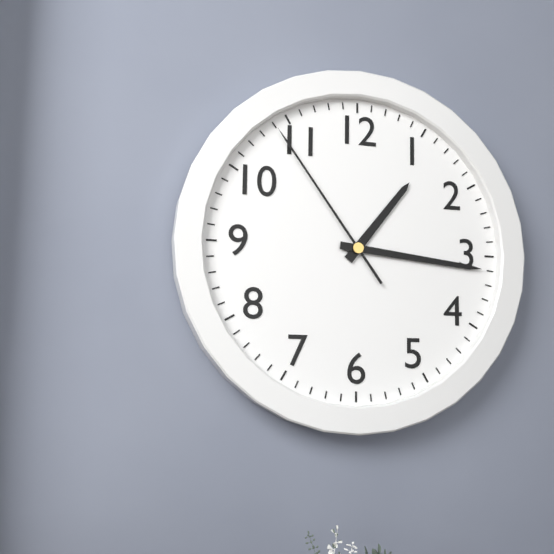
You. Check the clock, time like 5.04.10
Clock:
1.16.54
